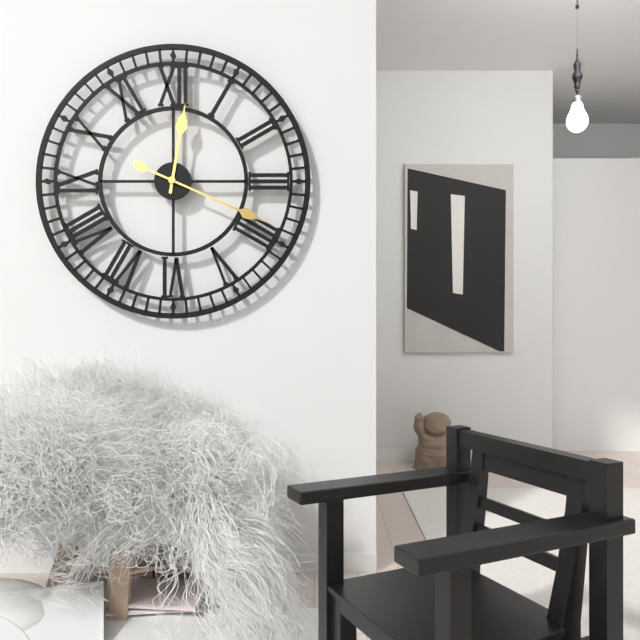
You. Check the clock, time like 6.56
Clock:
12.19
